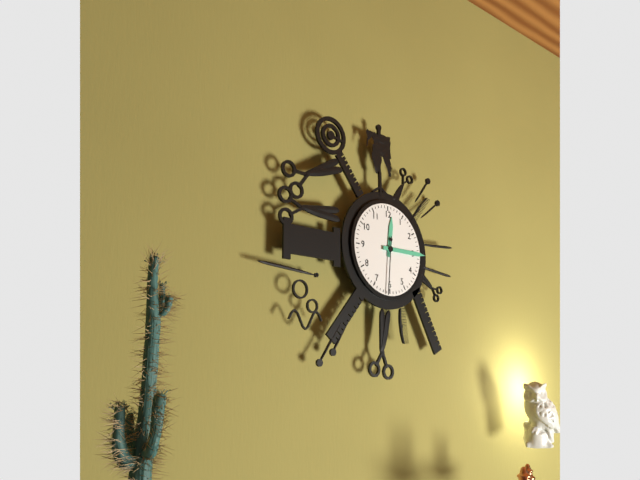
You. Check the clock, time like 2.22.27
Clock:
12.15.31
